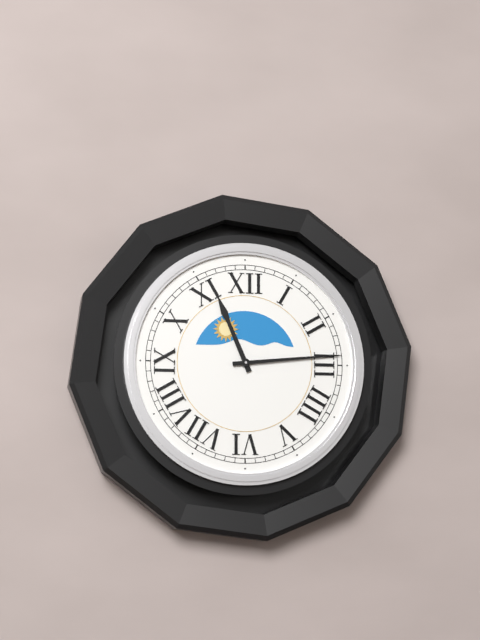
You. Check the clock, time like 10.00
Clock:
11.14
